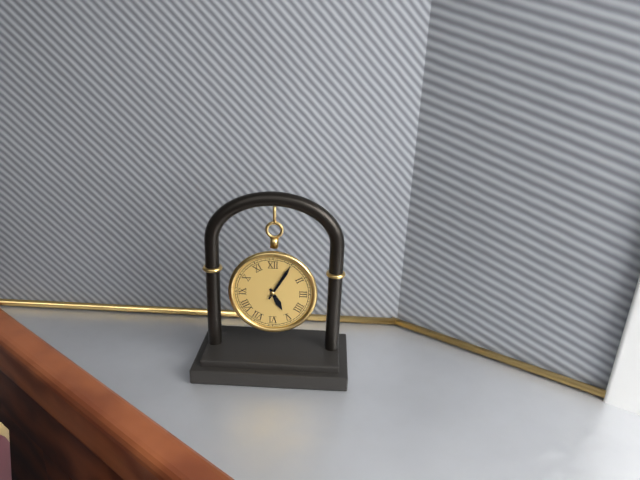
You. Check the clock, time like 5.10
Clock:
5.05
